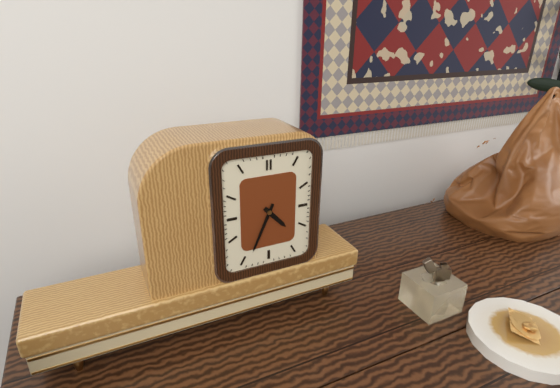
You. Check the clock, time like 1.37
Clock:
4.34
